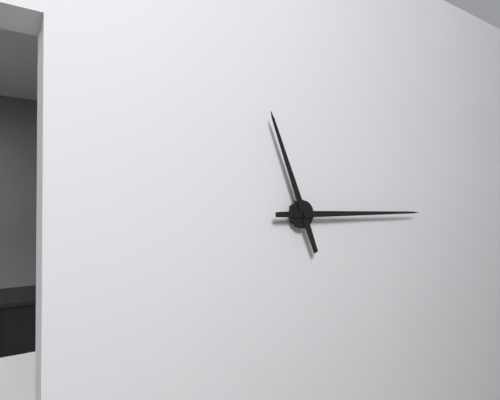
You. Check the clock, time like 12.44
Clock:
11.15
